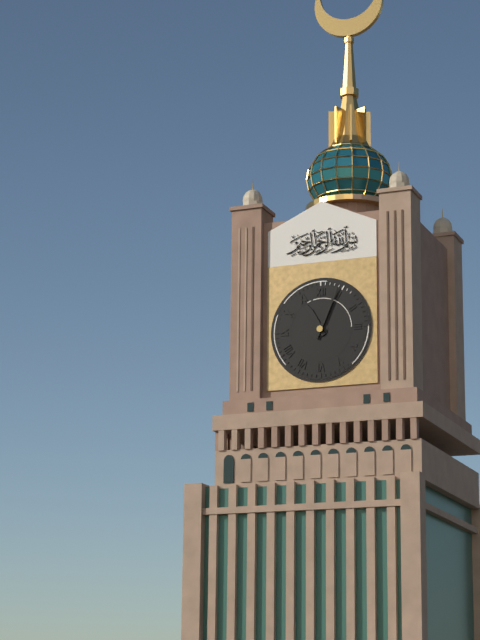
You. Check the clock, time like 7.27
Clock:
11.04
